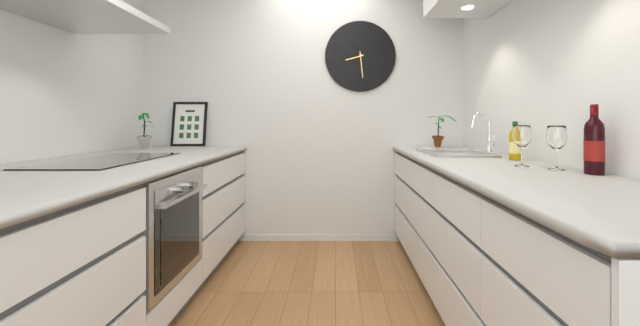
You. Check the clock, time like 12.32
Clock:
8.29
